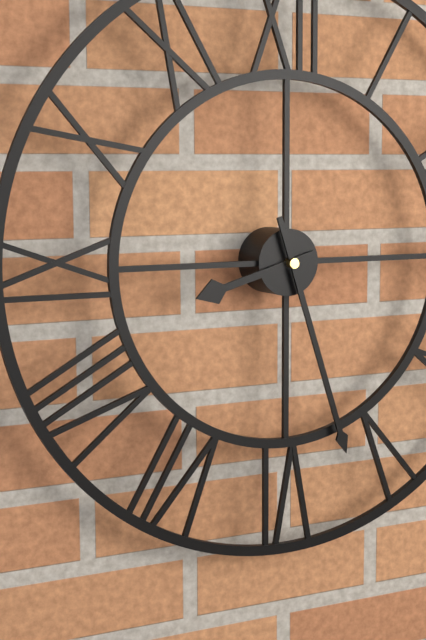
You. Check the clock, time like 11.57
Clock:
8.27
